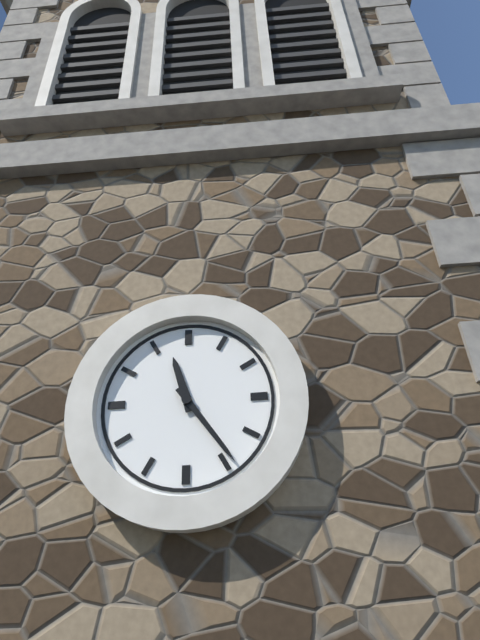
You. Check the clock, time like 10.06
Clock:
11.24
